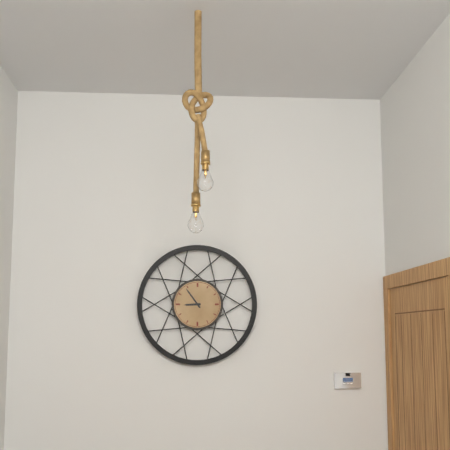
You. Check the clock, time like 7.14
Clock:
8.54
